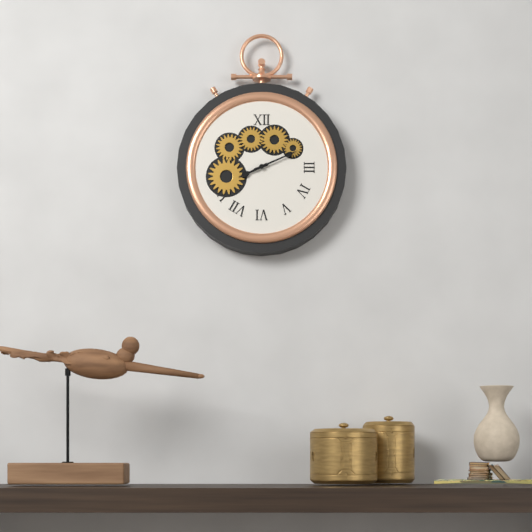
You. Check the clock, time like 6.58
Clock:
8.11
